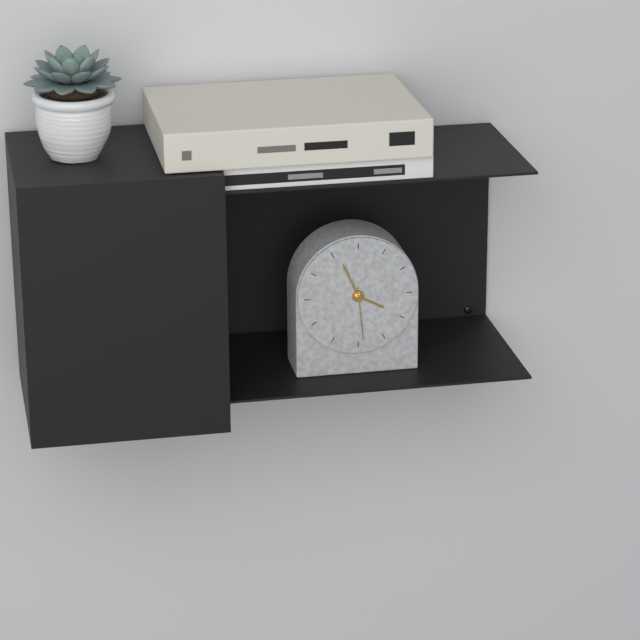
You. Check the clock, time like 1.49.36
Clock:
3.56.29
